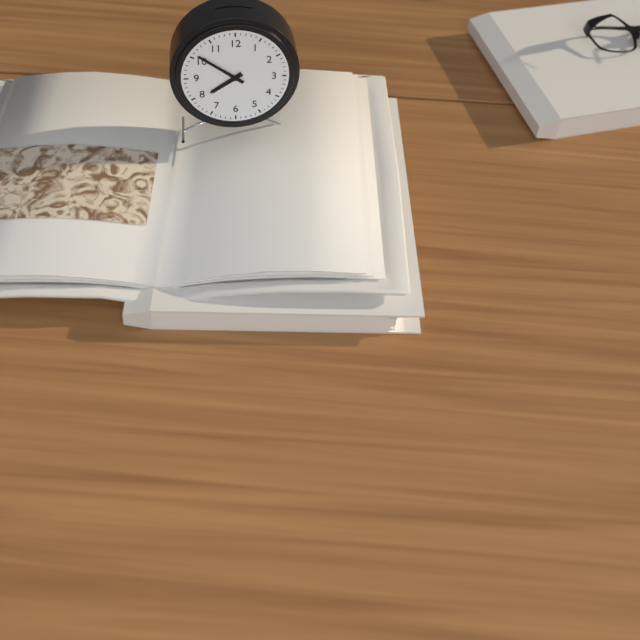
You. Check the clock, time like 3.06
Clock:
7.51
